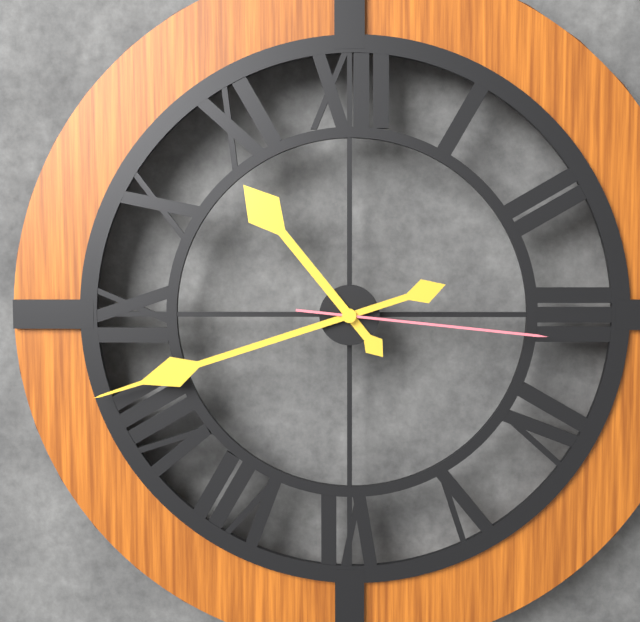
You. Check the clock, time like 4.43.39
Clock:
10.42.16
